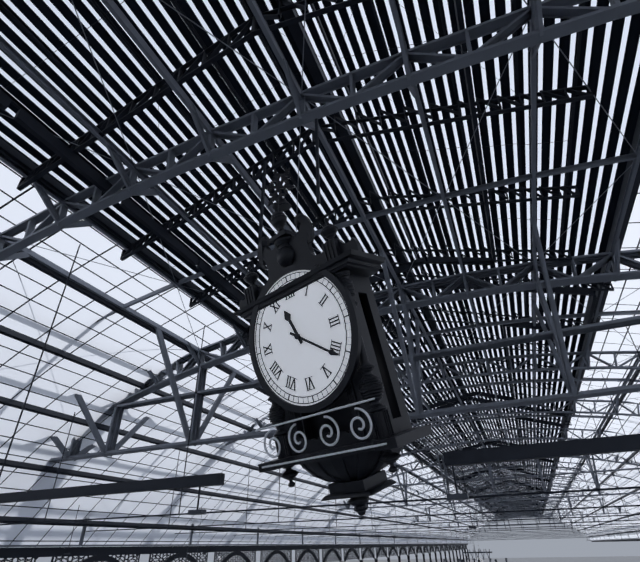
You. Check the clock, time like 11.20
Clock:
11.21
